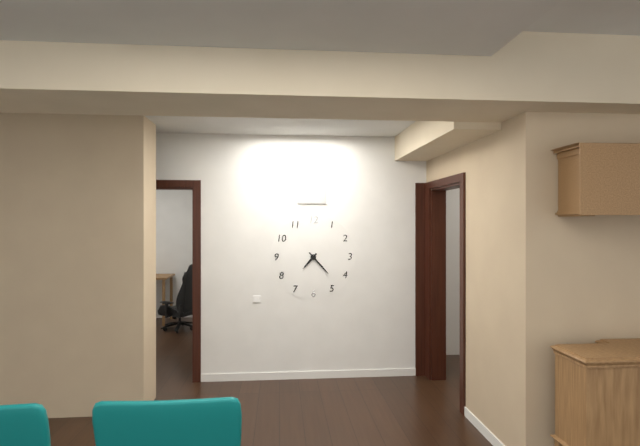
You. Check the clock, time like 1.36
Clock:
7.23
